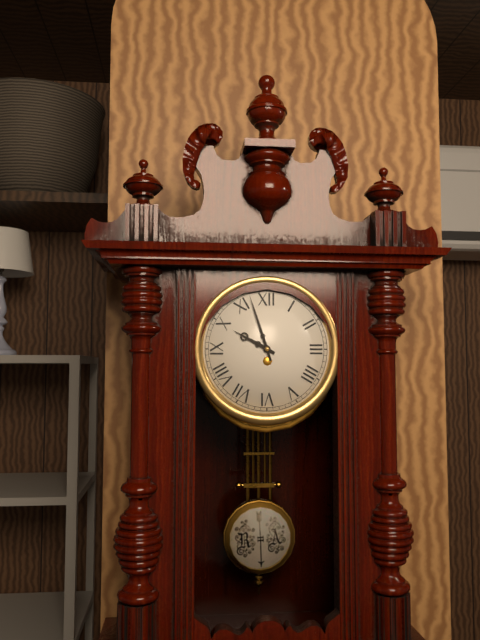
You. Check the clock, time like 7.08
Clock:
9.57
